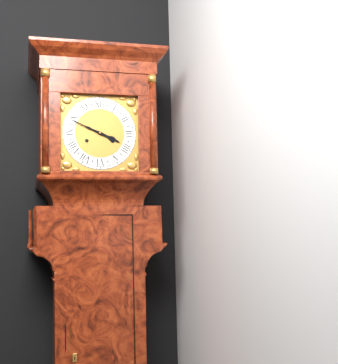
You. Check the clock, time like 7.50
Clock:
3.49
